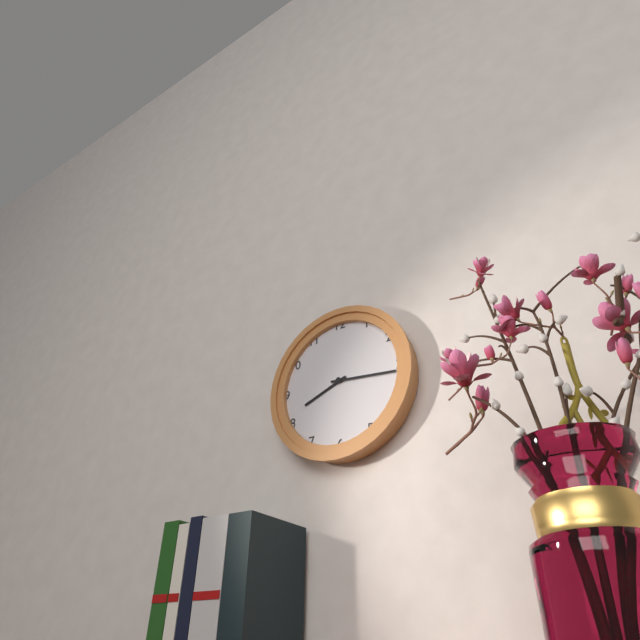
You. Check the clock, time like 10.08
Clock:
8.16
